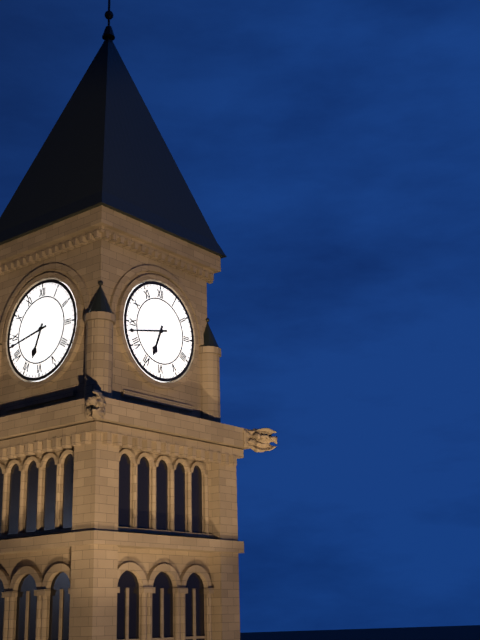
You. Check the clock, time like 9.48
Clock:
6.43
